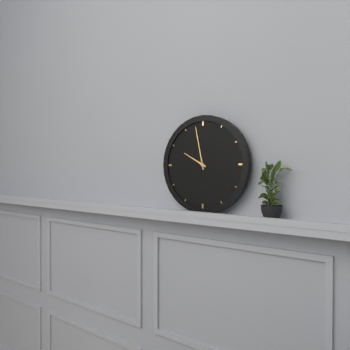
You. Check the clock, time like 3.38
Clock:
9.58
